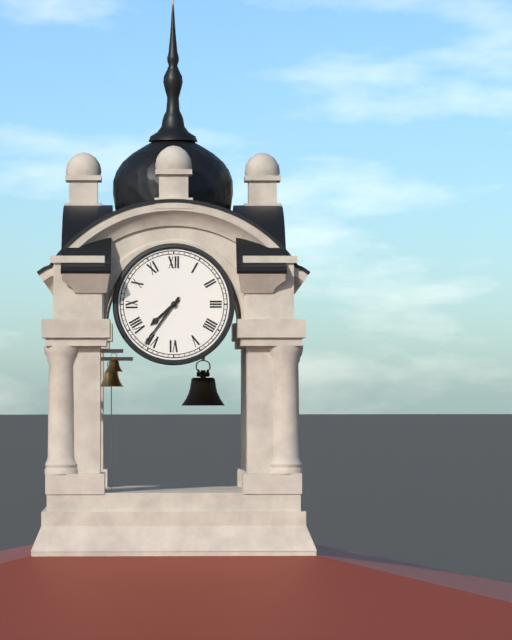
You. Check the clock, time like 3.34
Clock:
7.36
